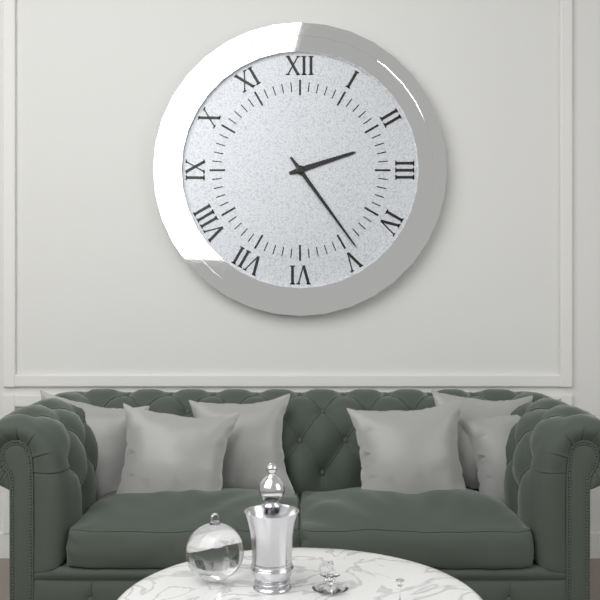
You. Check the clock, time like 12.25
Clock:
2.24
